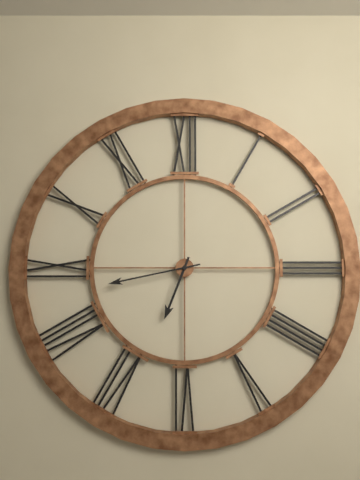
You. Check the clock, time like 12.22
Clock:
6.43
